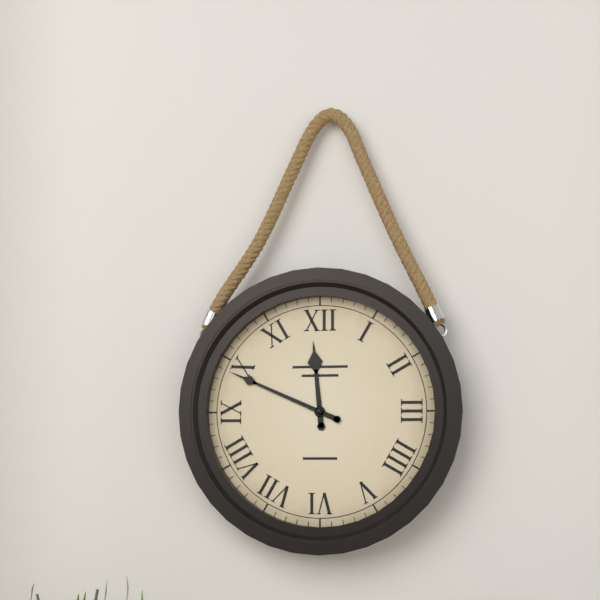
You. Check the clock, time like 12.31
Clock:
11.49
